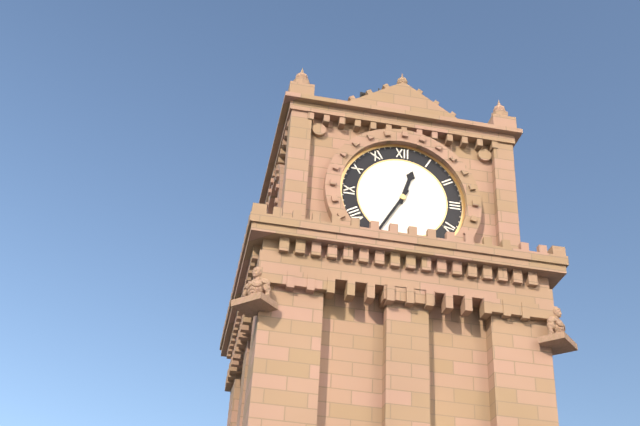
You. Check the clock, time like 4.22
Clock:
12.35
